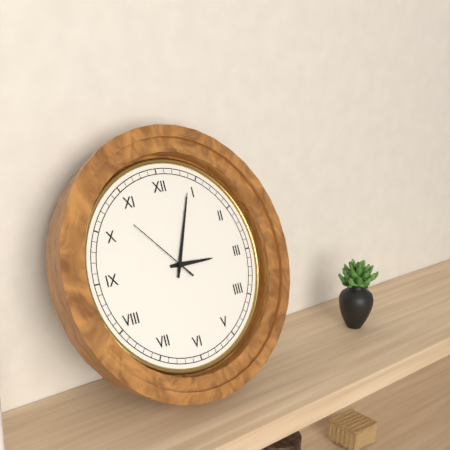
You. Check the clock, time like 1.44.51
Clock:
3.04.53
